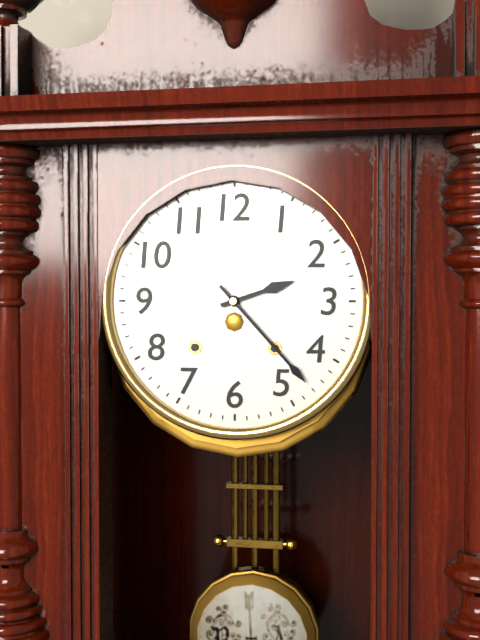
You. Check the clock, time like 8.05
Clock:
2.23
